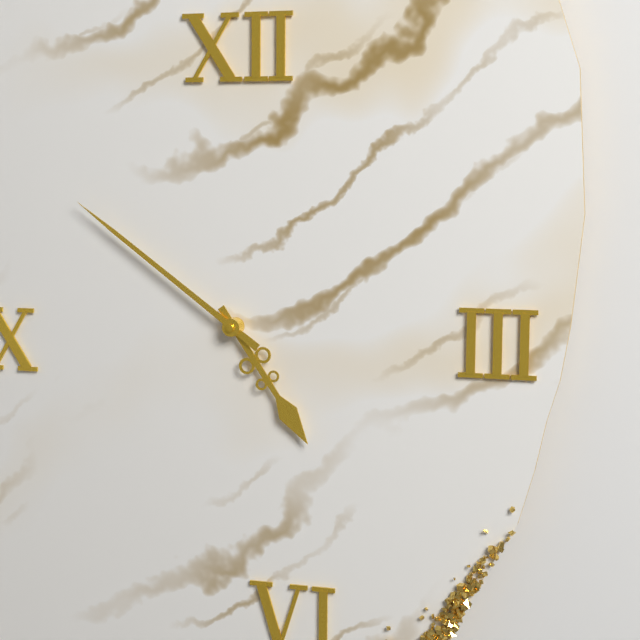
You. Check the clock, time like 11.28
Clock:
4.51
